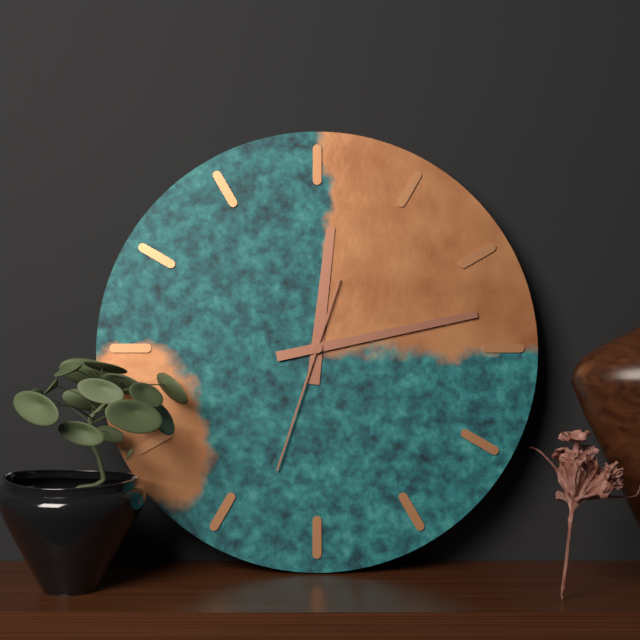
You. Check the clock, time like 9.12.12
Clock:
12.13.33
